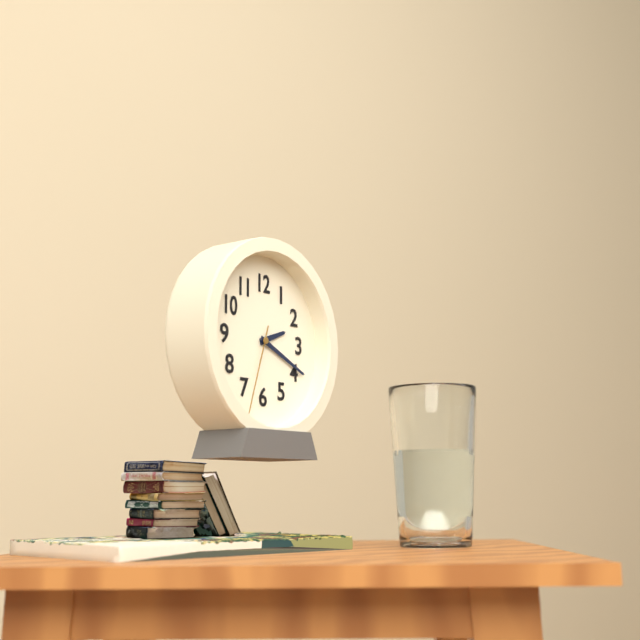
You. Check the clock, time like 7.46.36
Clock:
2.19.33
